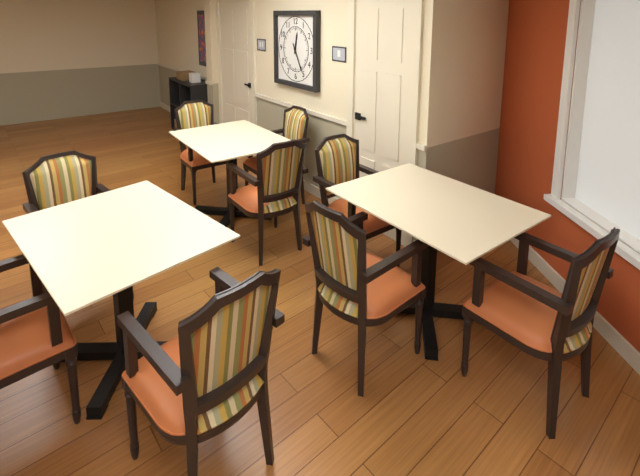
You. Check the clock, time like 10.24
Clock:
12.25
